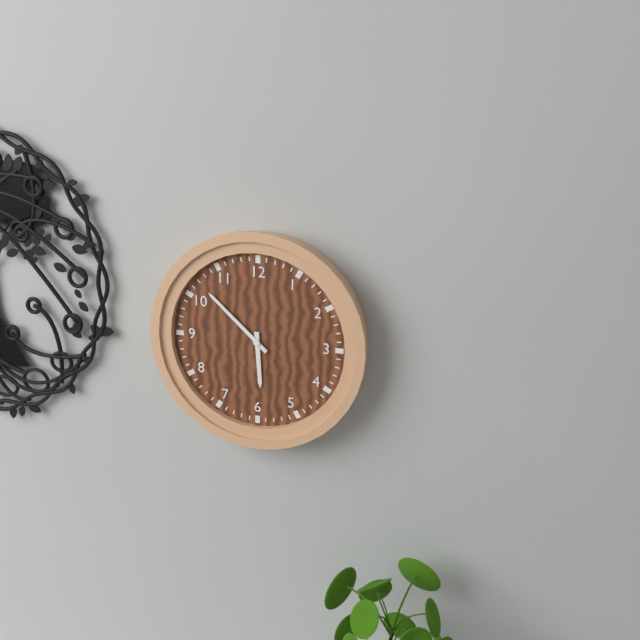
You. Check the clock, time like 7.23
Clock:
5.52
